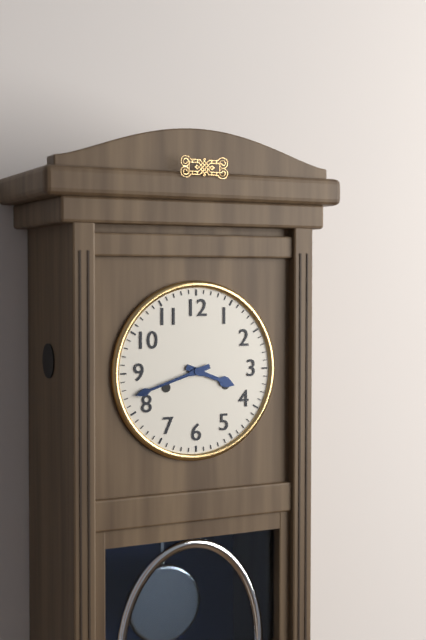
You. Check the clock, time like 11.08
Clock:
3.42
